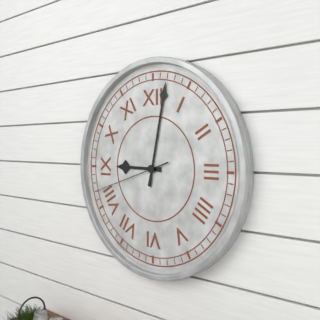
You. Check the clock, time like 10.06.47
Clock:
9.02.42
